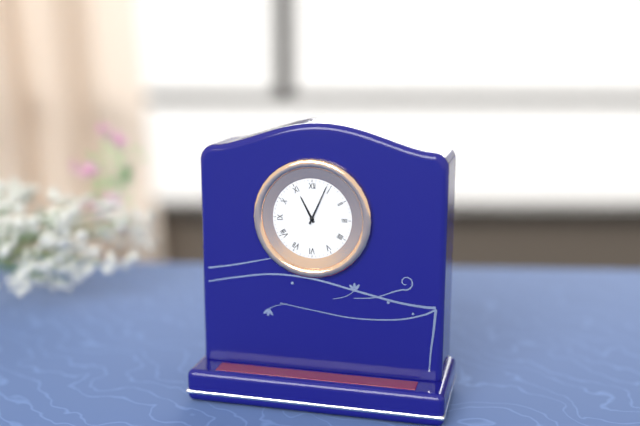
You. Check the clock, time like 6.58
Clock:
11.04
